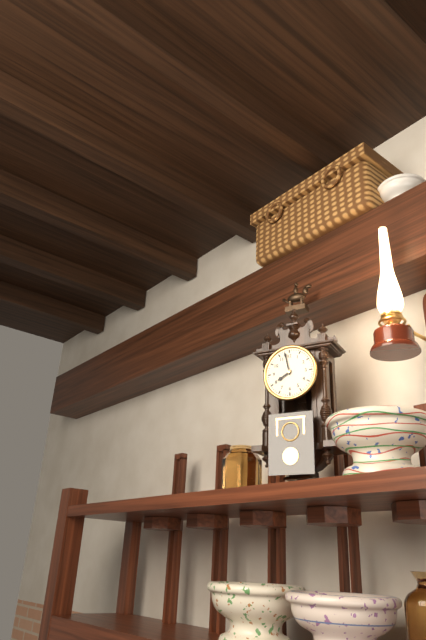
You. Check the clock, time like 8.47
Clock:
7.58
